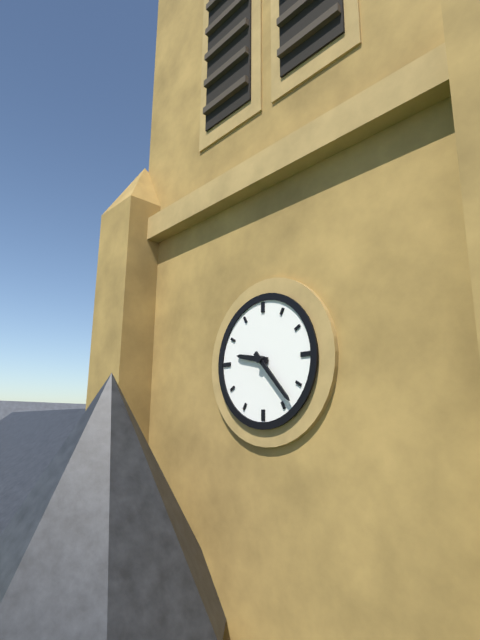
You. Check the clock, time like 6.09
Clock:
9.23
